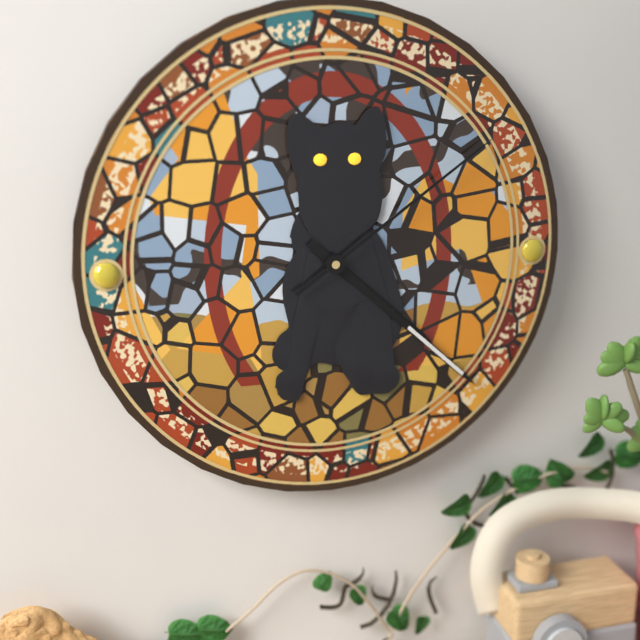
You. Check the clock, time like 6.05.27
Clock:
4.22.09
